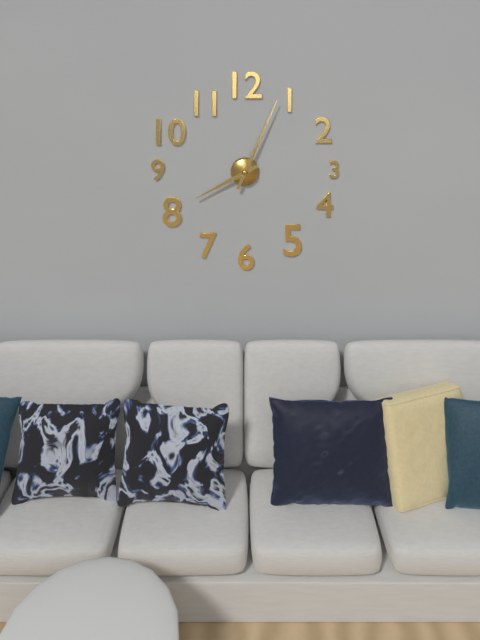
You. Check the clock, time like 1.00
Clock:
8.04
